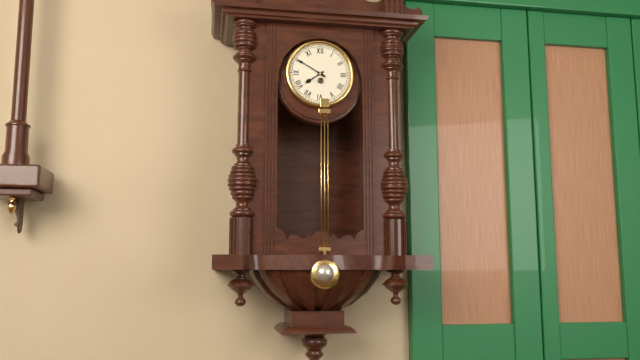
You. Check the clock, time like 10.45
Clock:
7.50
